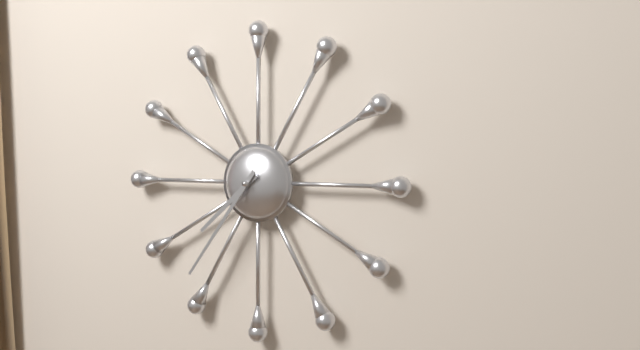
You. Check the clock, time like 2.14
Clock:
7.36
